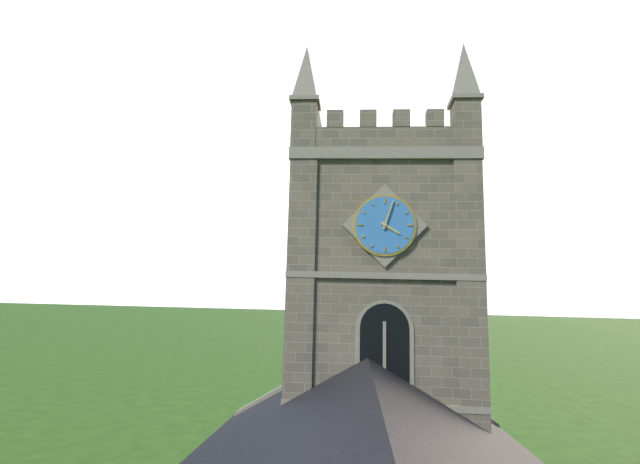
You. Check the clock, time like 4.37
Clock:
4.03
